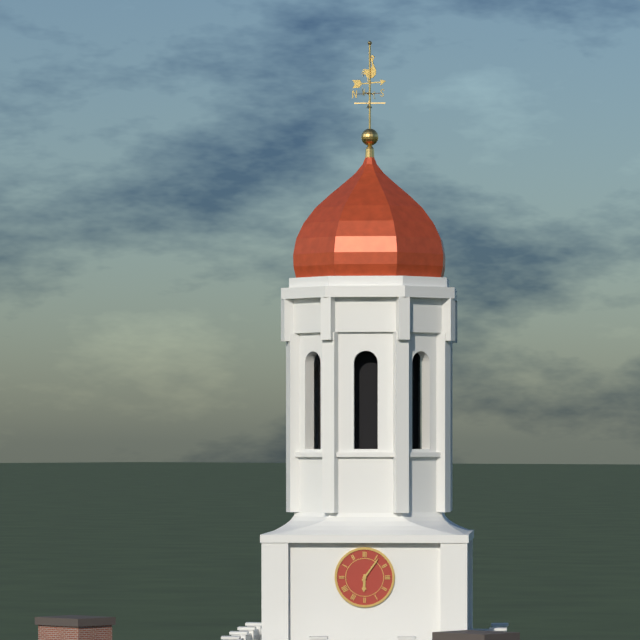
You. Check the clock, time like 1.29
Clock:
6.06
